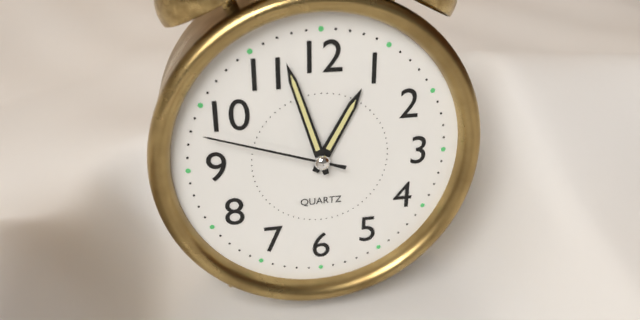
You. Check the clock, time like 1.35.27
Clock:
12.57.48
